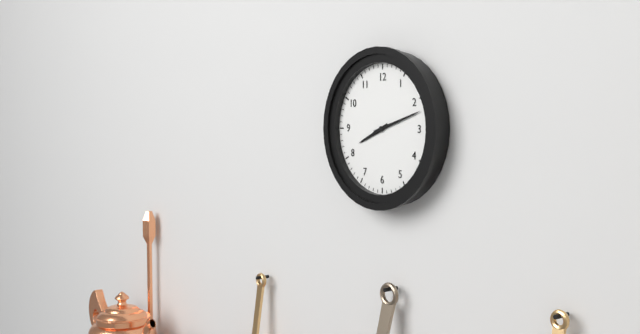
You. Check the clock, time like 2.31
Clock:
8.12
